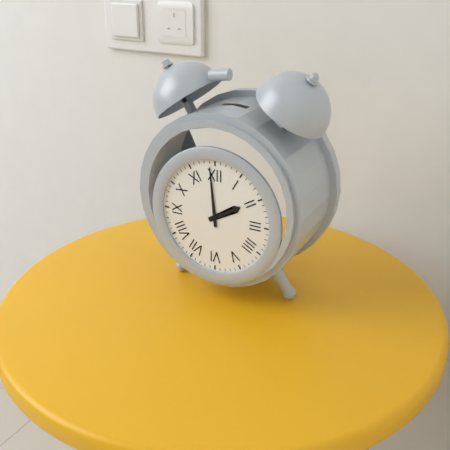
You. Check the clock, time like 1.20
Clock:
1.59
